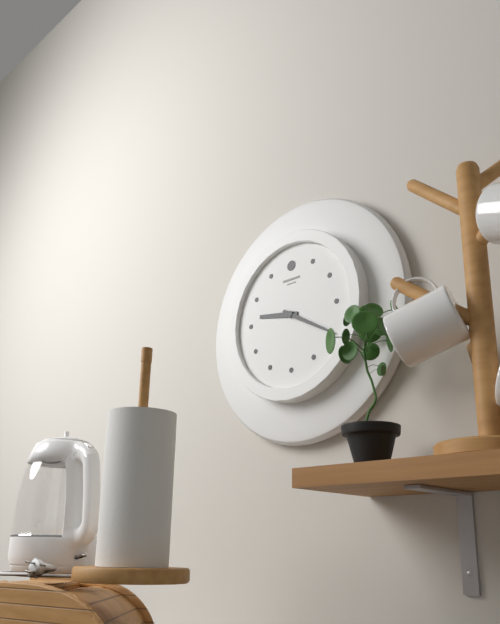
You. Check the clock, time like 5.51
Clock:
9.20
